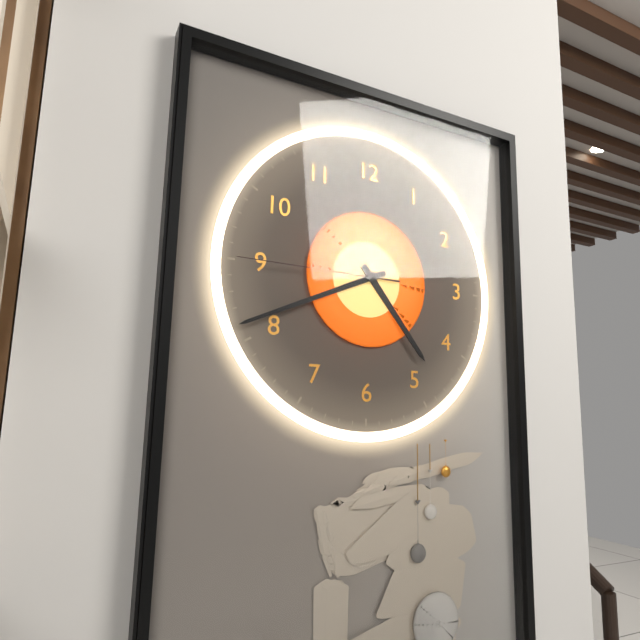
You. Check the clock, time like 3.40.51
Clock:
4.41.45
